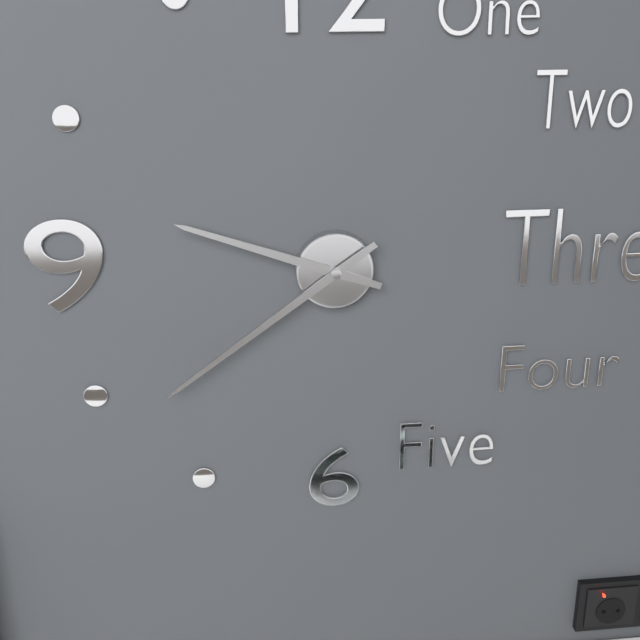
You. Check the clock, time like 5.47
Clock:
9.39
